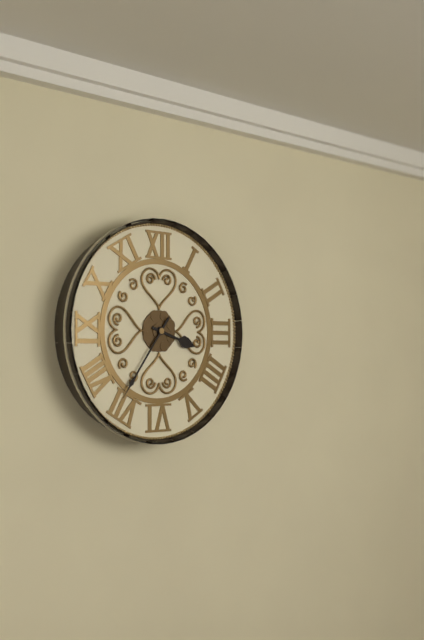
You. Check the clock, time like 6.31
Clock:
3.36
